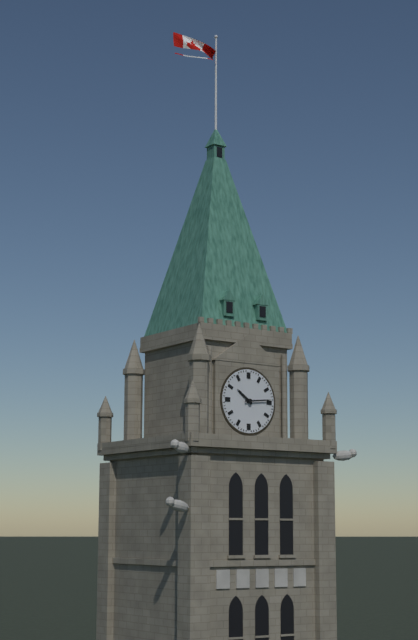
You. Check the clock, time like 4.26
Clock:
10.14
